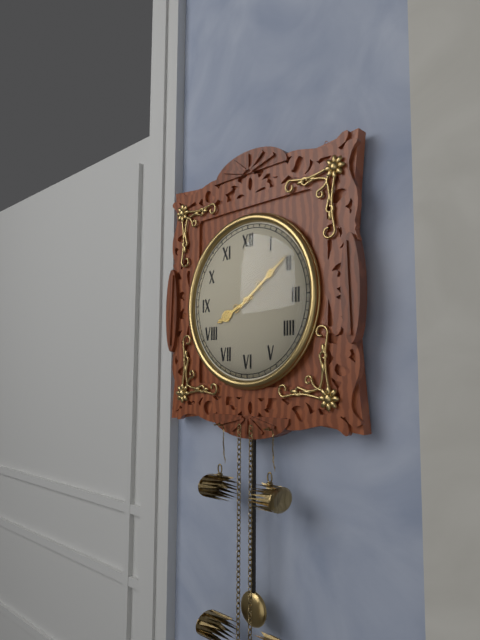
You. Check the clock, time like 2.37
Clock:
8.09
